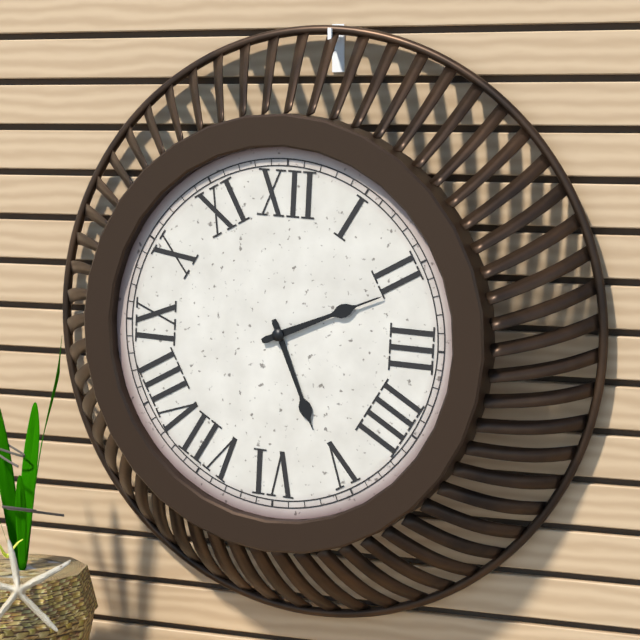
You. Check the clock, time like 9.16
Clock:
5.11
